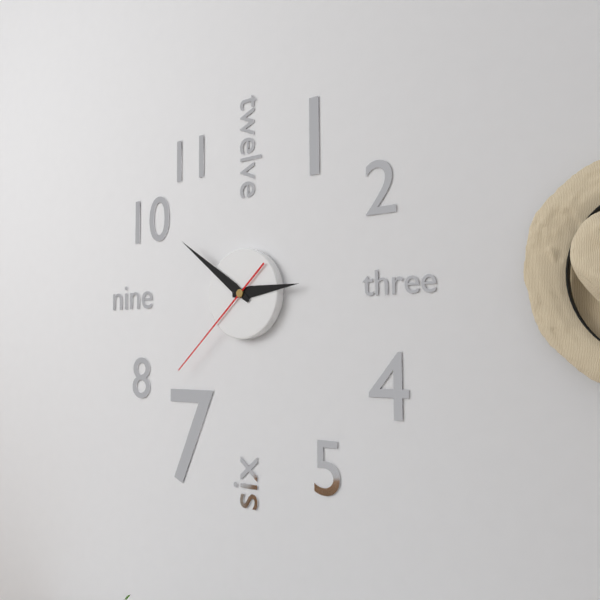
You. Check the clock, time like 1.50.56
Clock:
2.51.38
